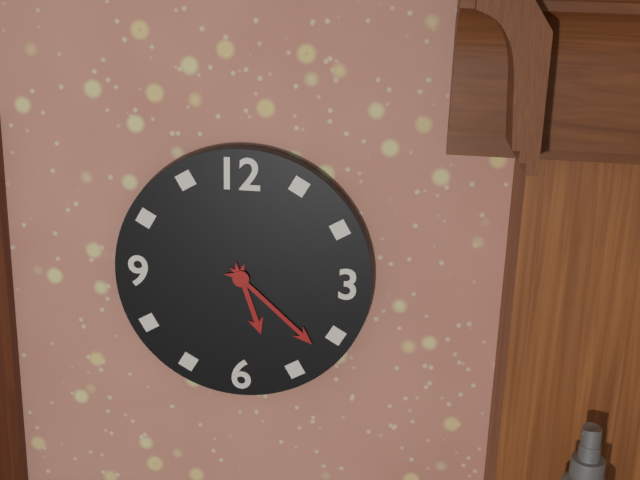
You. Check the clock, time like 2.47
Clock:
5.22
